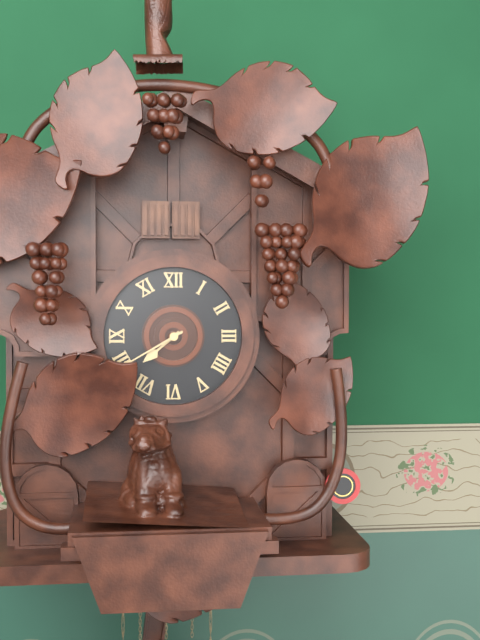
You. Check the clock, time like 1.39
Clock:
7.40
